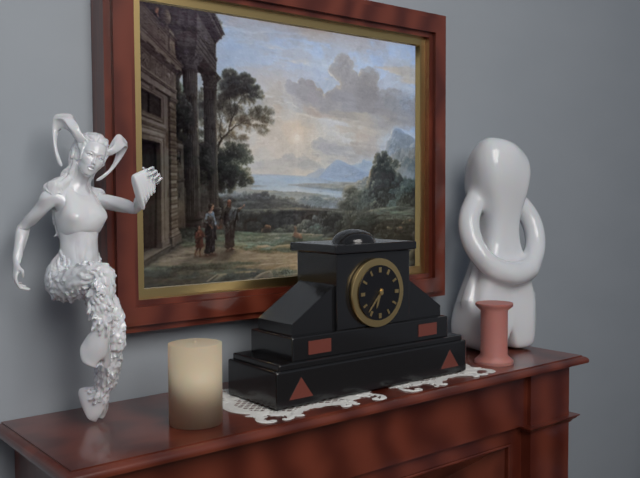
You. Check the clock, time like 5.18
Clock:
6.37
